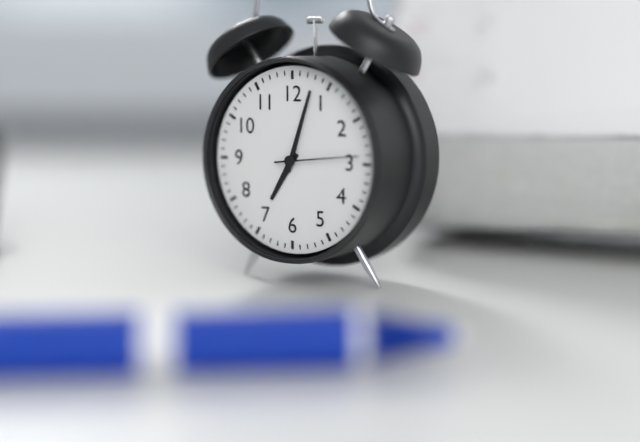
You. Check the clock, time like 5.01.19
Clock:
7.03.14
